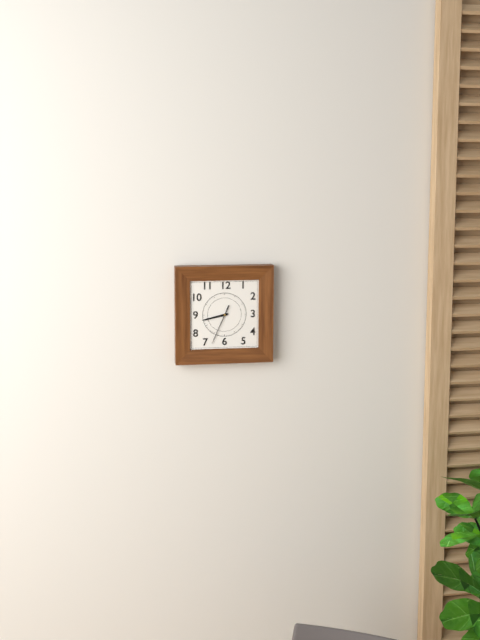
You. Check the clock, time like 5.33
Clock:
8.34
